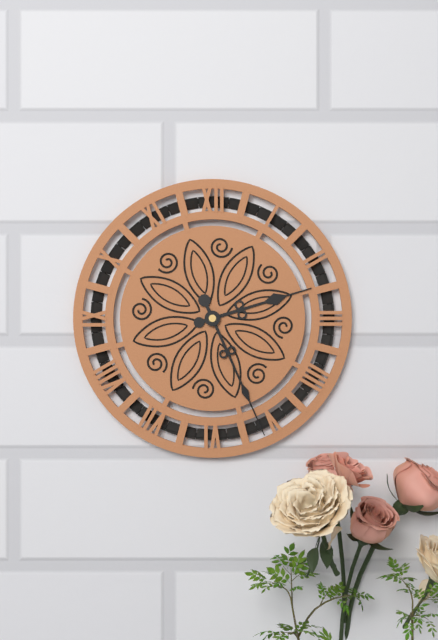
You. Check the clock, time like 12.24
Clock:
2.26
